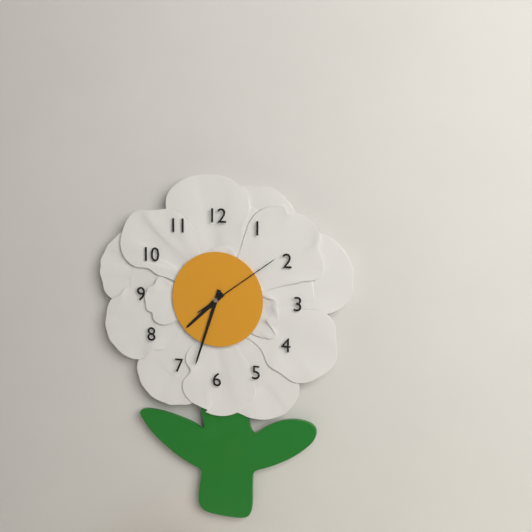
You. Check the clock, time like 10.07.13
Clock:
7.33.09
